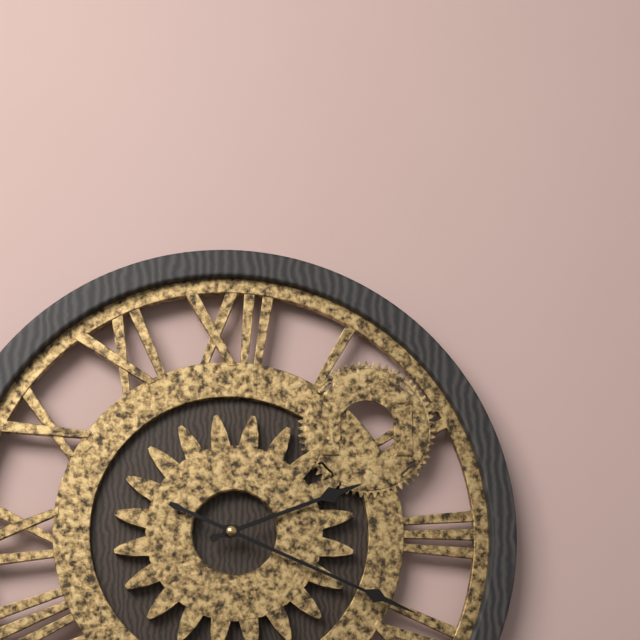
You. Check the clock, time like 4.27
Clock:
2.19
